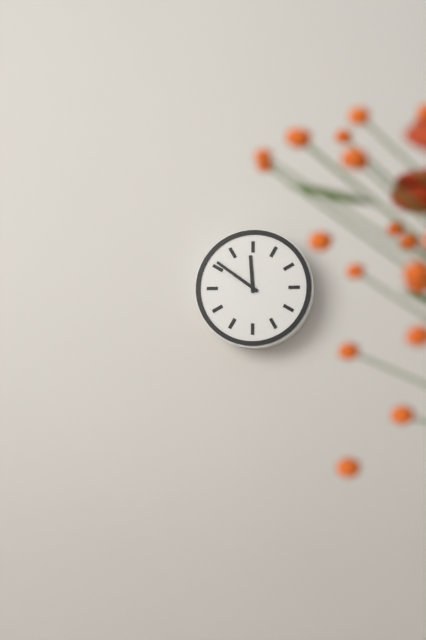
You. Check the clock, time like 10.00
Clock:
11.51
